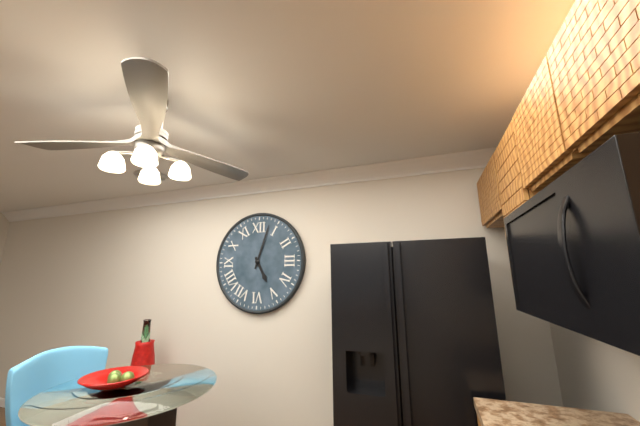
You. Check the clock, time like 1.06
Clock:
5.03
